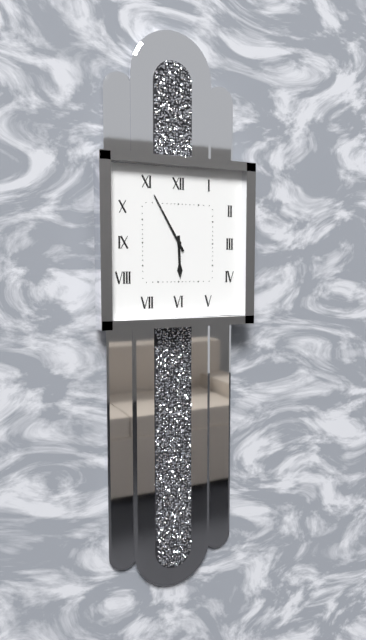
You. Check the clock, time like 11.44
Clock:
5.55
